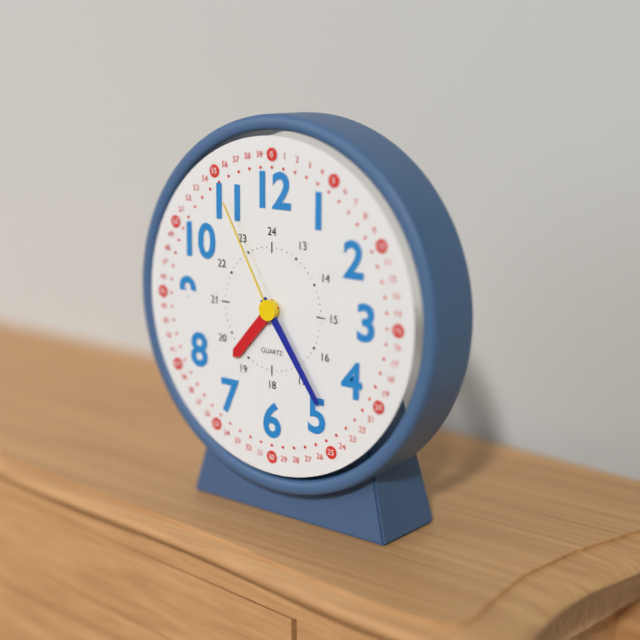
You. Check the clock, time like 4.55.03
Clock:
7.24.55
